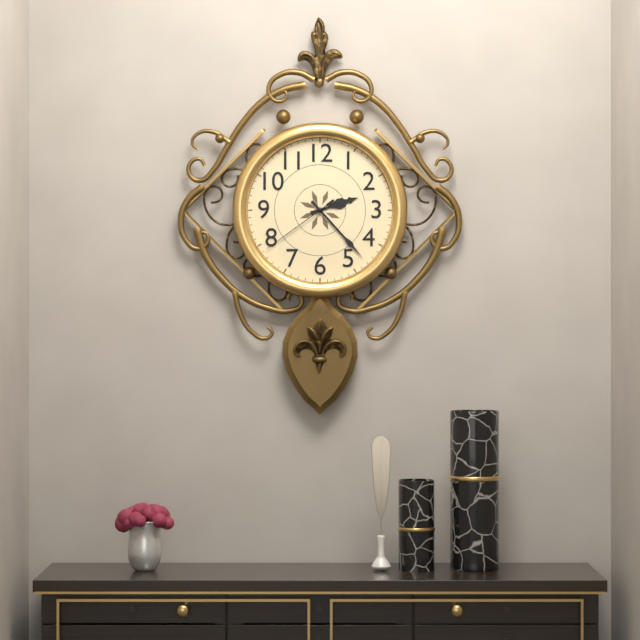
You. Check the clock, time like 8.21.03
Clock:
2.23.39
